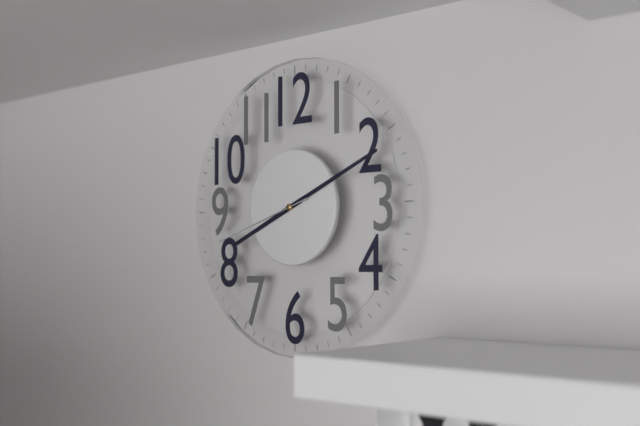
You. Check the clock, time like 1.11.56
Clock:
8.11.42
